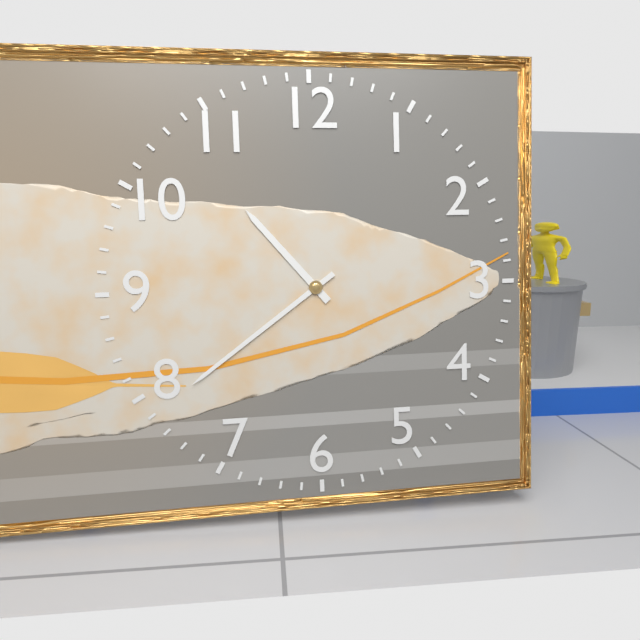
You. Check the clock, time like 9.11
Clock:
10.39
